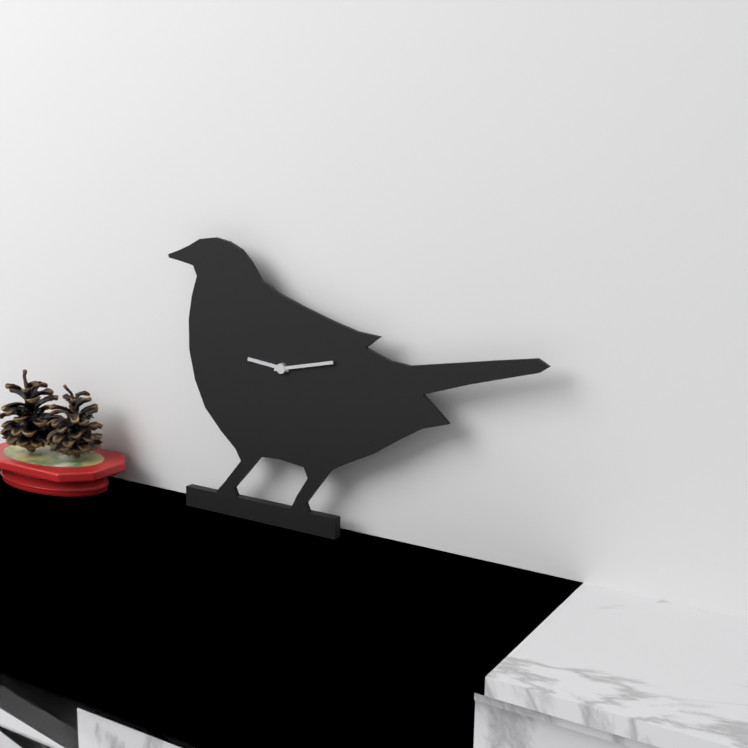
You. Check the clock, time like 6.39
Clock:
9.13
